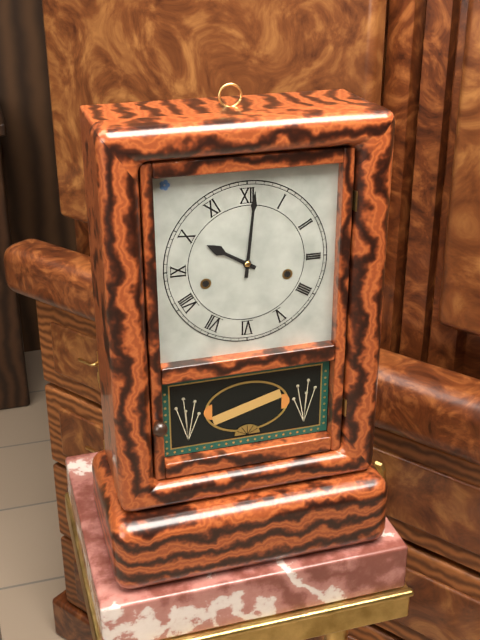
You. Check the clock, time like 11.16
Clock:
10.01
